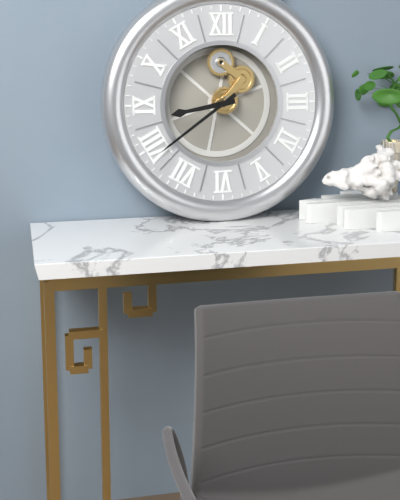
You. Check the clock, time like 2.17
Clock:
8.39
